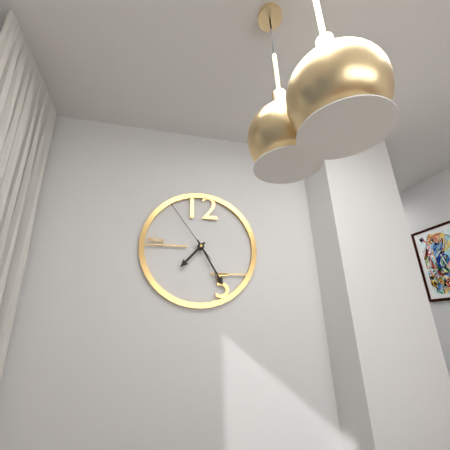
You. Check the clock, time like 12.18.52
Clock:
7.25.54
